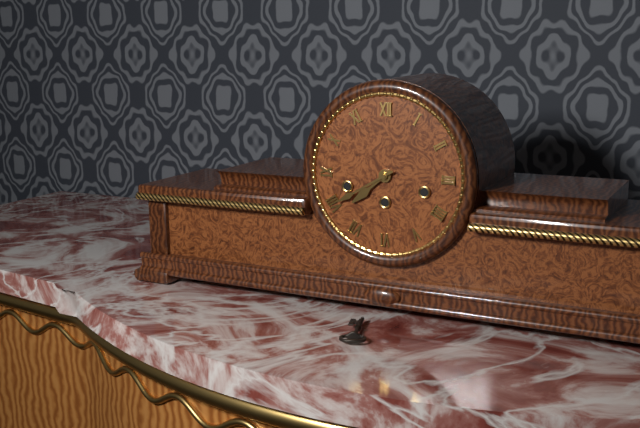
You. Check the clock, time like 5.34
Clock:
7.40
